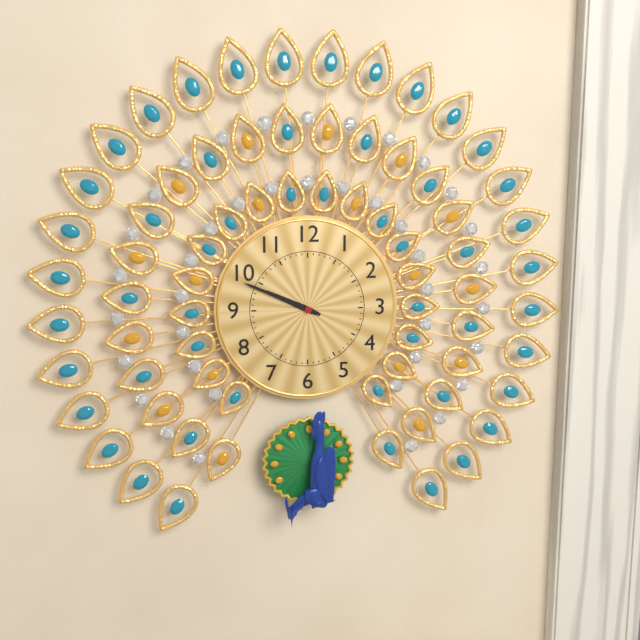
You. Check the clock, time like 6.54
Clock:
9.49
